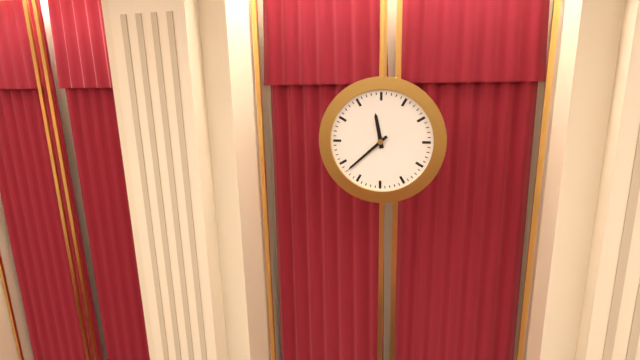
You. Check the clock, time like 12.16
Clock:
11.38
